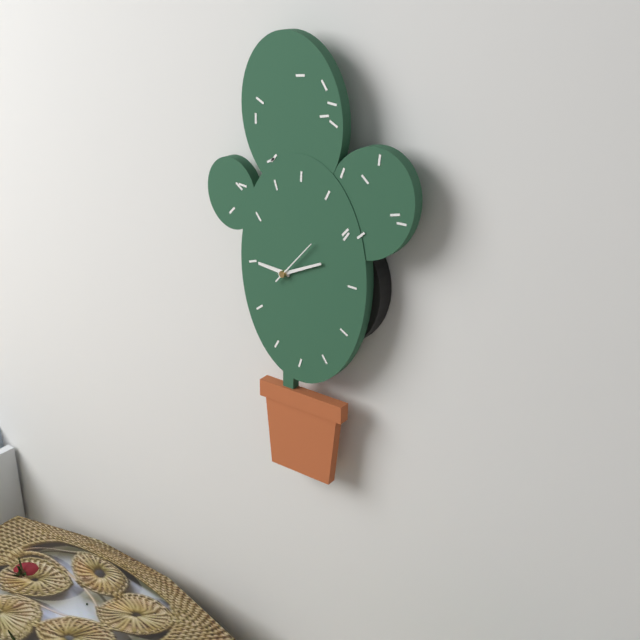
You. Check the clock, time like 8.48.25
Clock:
9.11.07
